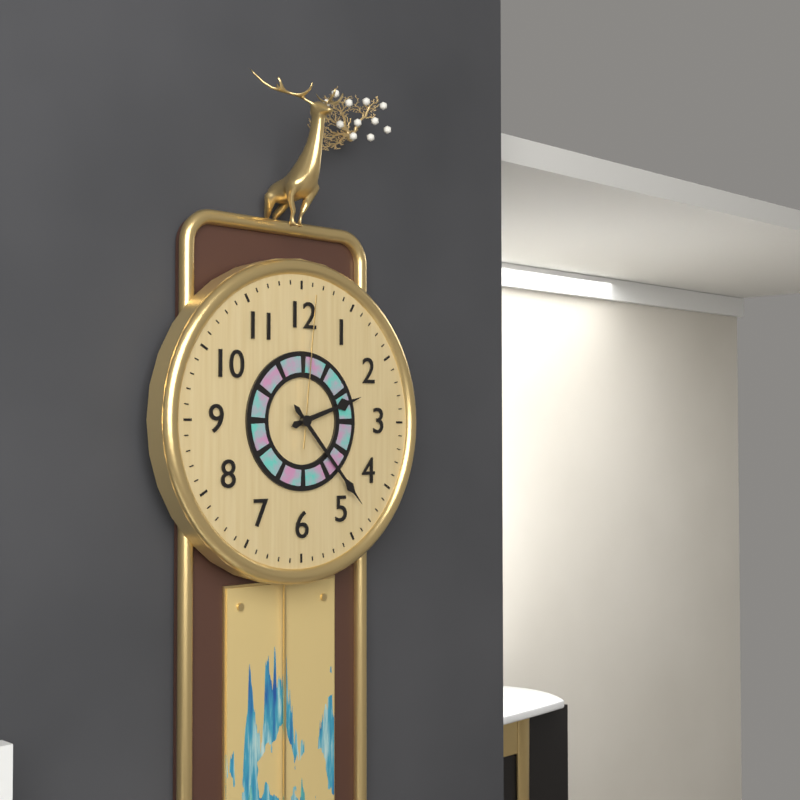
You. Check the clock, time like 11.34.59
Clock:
2.23.01
